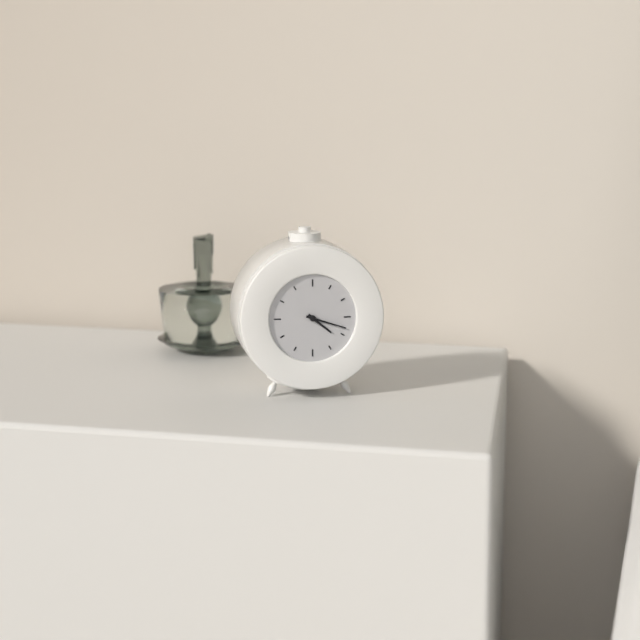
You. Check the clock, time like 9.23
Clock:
4.18
